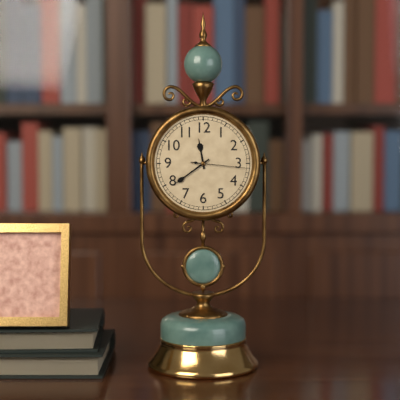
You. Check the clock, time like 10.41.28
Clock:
11.39.16
